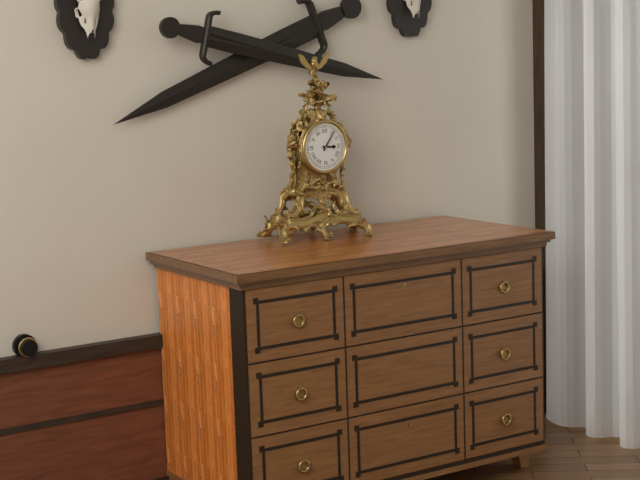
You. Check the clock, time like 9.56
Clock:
3.06
